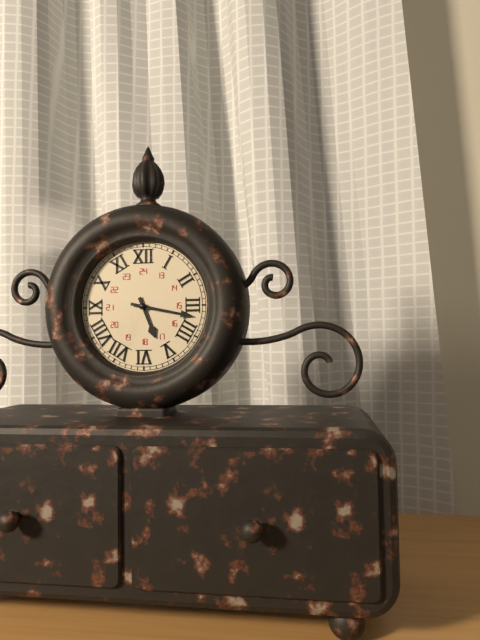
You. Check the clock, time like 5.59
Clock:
5.17
